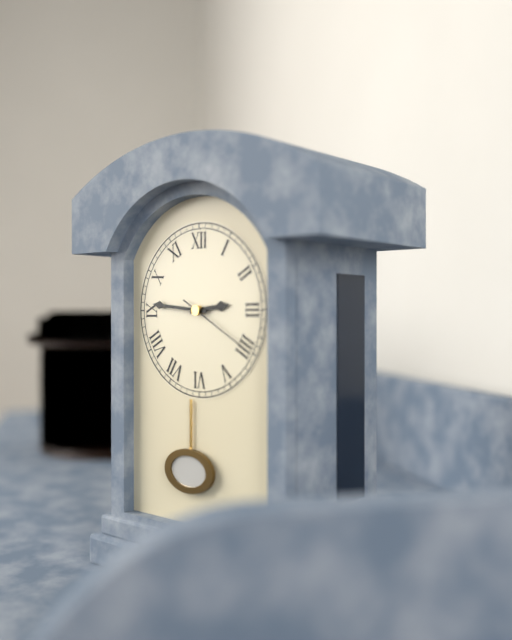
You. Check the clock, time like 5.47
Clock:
2.46
